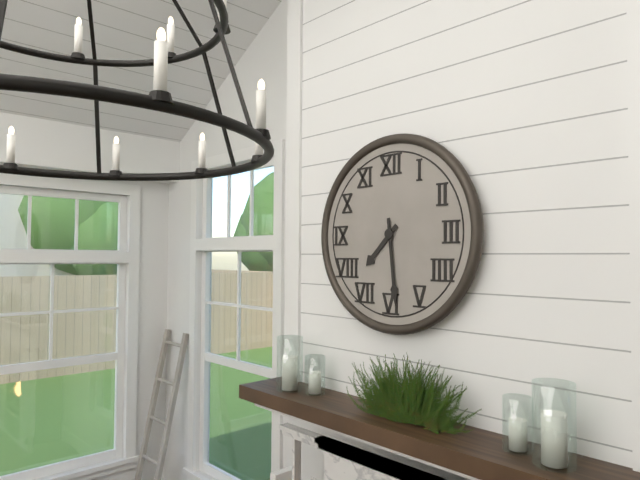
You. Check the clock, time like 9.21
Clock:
7.29
